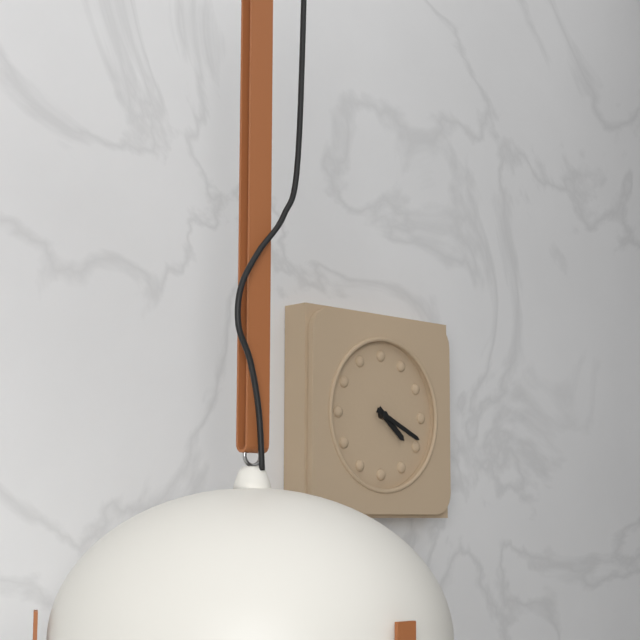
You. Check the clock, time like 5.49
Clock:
4.19
